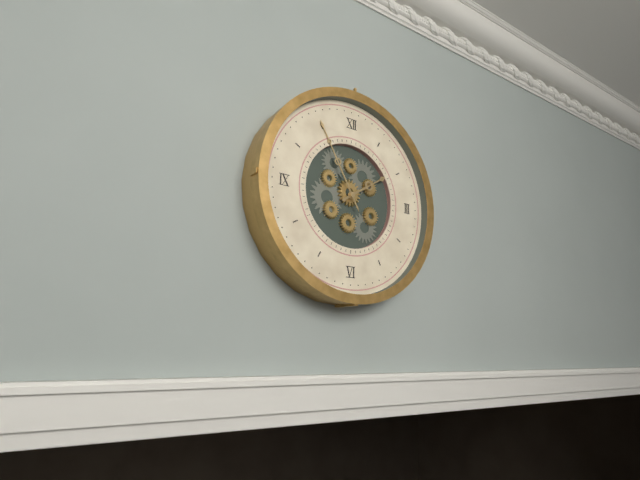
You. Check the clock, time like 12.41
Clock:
1.55
